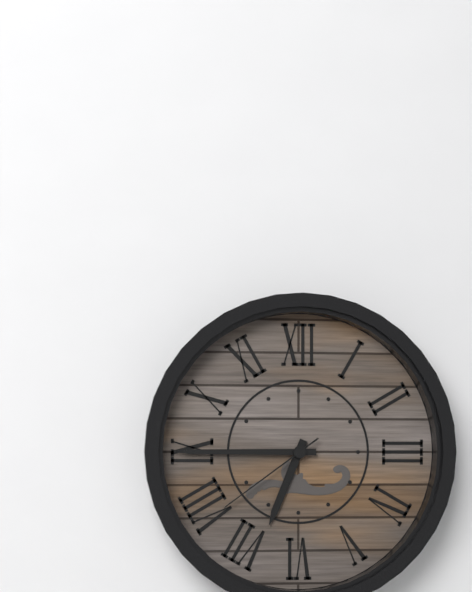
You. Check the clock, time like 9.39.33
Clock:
6.45.39
